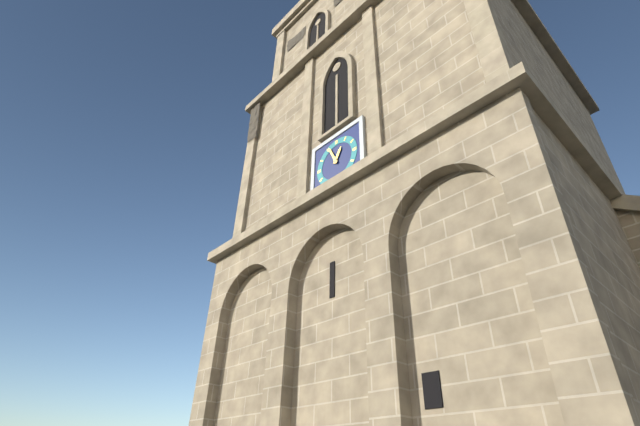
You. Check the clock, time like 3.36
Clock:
12.56
